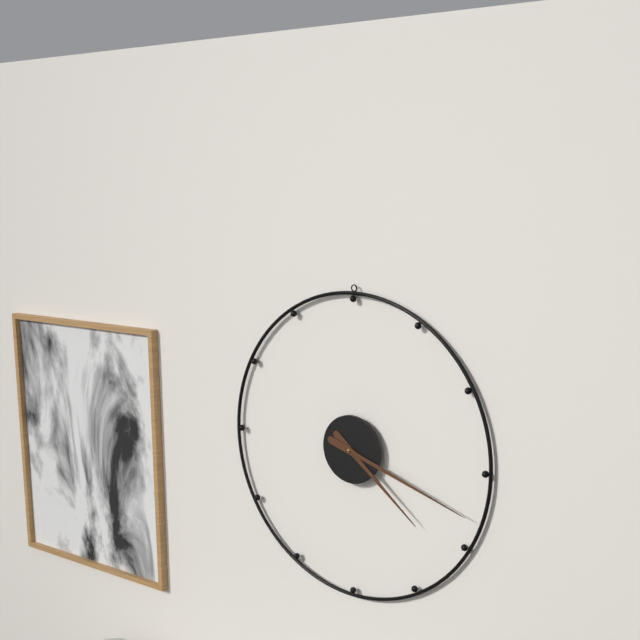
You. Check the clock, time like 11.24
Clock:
4.18
